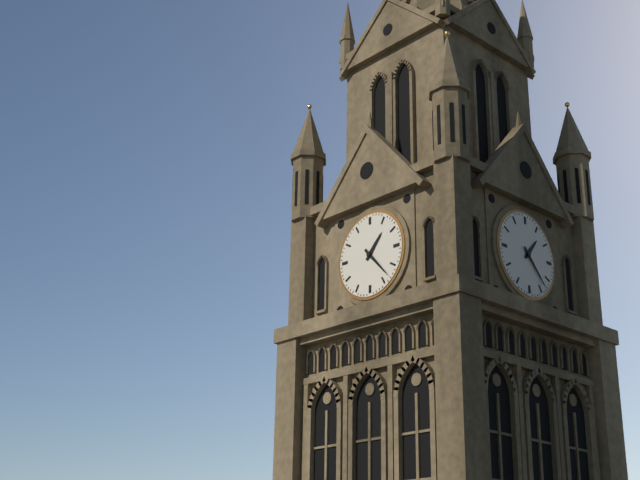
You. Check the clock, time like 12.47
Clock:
1.23
